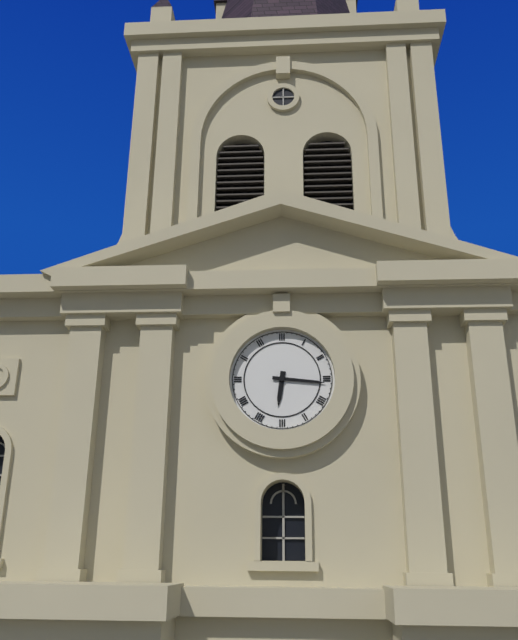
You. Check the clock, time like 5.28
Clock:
6.16
